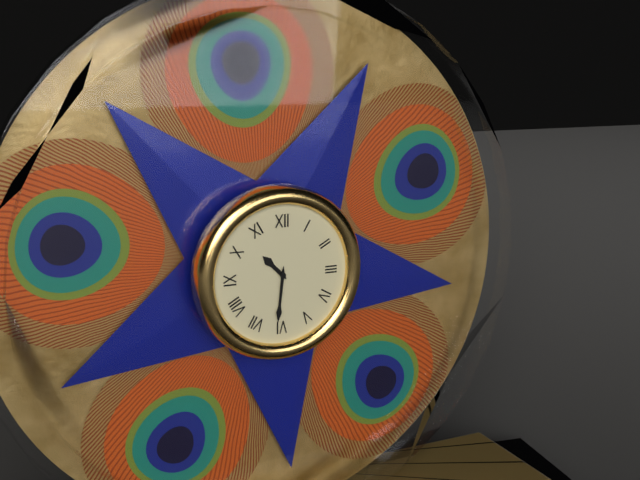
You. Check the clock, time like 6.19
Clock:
10.31
